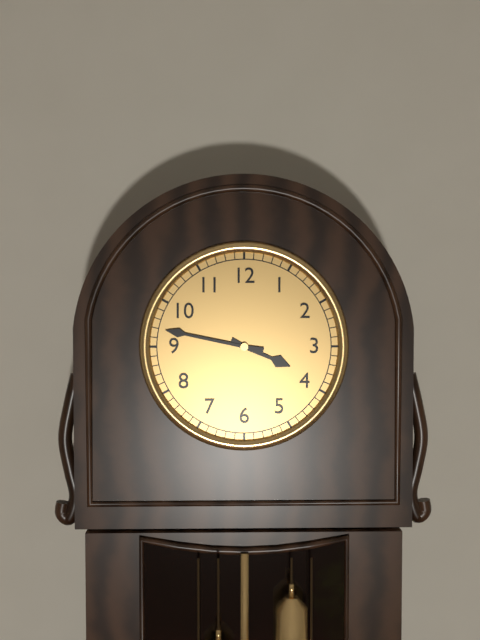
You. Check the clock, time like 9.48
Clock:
3.47
